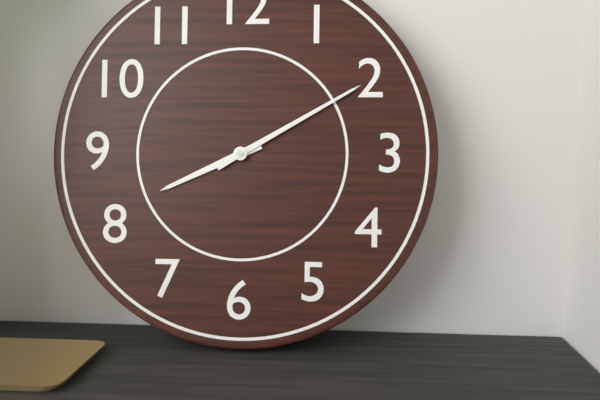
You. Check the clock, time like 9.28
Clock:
8.10
